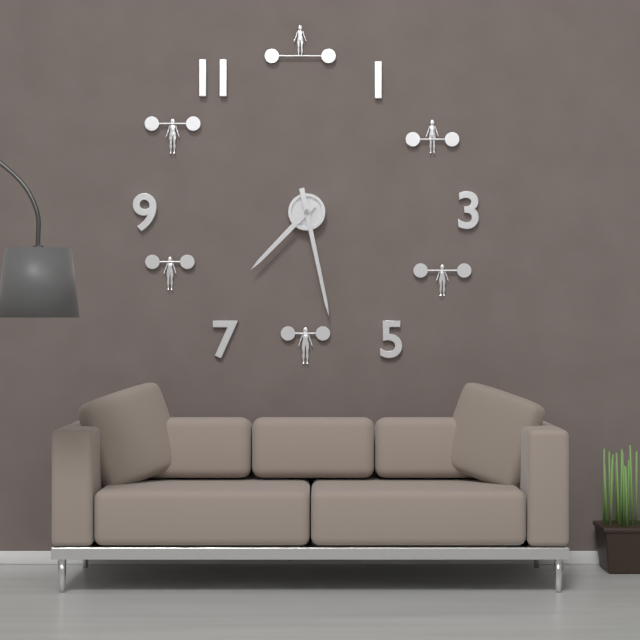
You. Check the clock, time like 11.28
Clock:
7.28
